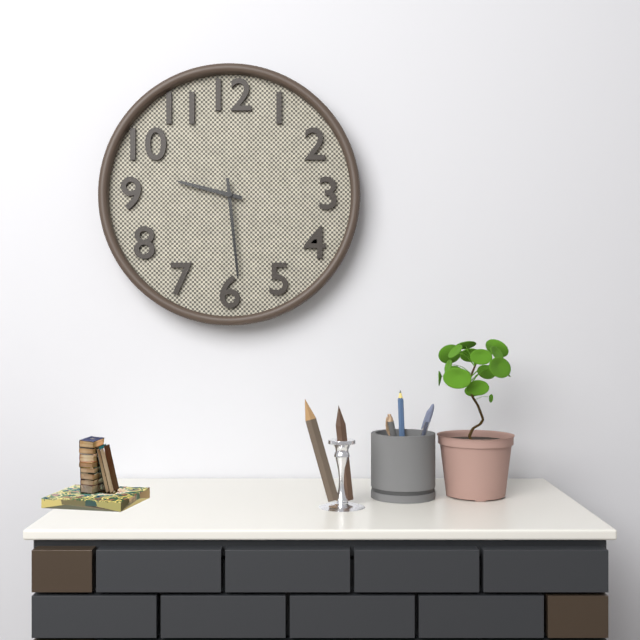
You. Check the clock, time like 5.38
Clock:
9.29
